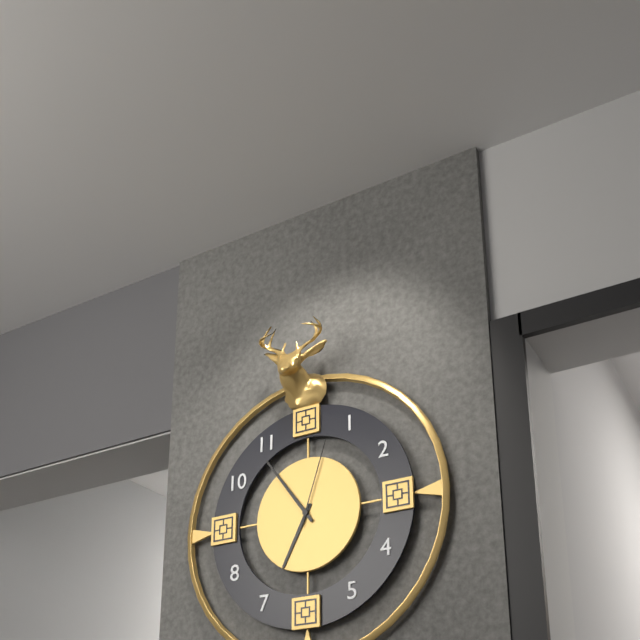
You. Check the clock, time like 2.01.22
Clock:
6.54.03
